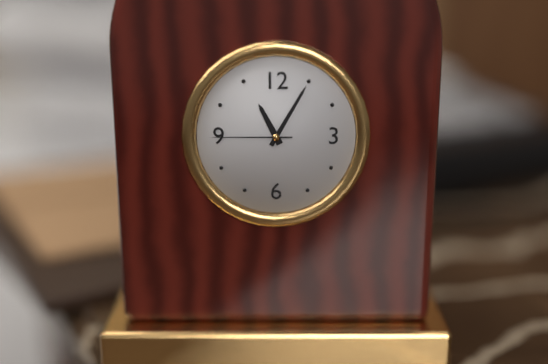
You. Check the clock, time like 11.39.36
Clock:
11.05.45
